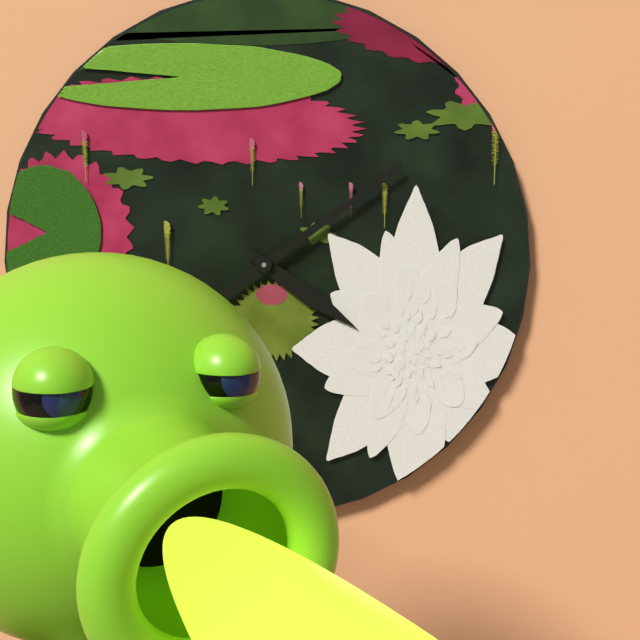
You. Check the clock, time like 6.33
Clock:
4.09
